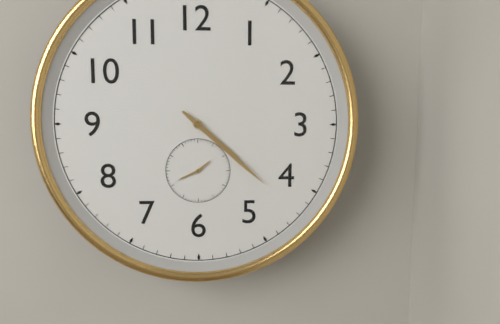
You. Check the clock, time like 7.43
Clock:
4.22
